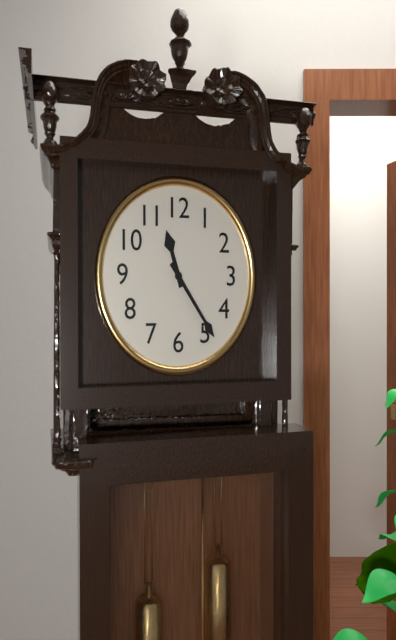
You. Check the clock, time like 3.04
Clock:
11.24
